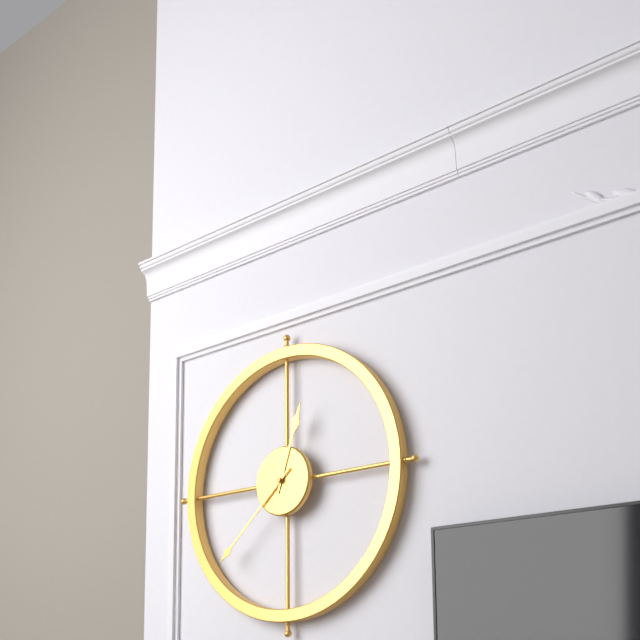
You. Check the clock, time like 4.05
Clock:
12.38
